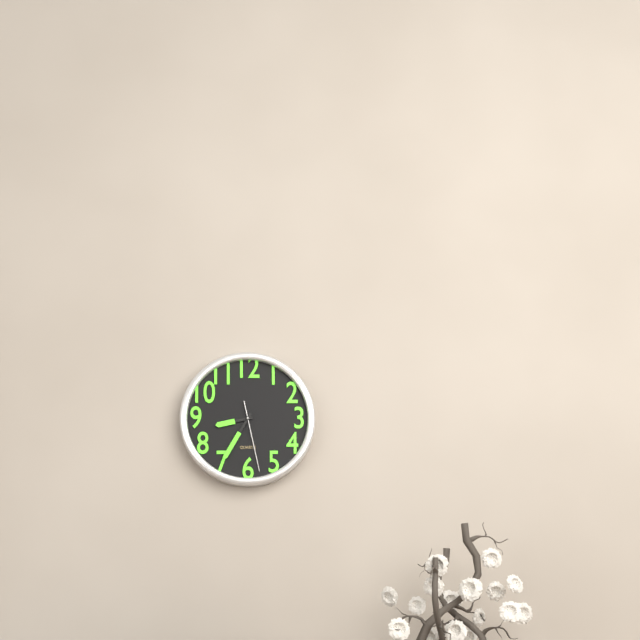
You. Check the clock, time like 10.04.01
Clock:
8.35.28
